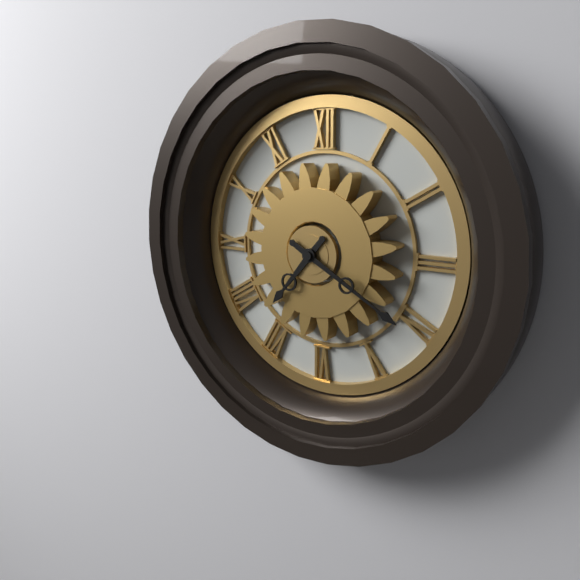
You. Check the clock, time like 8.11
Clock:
7.20
